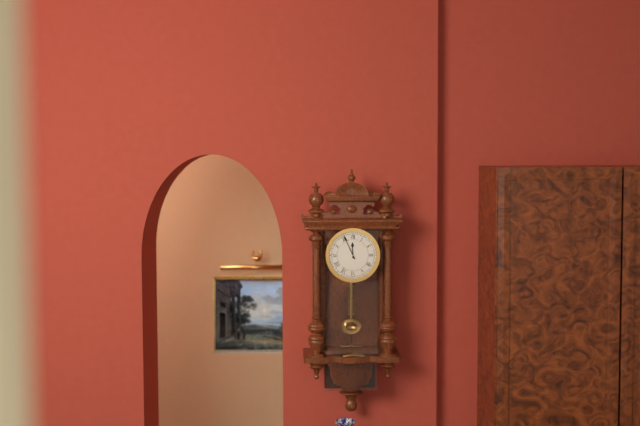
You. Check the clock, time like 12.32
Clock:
11.56
